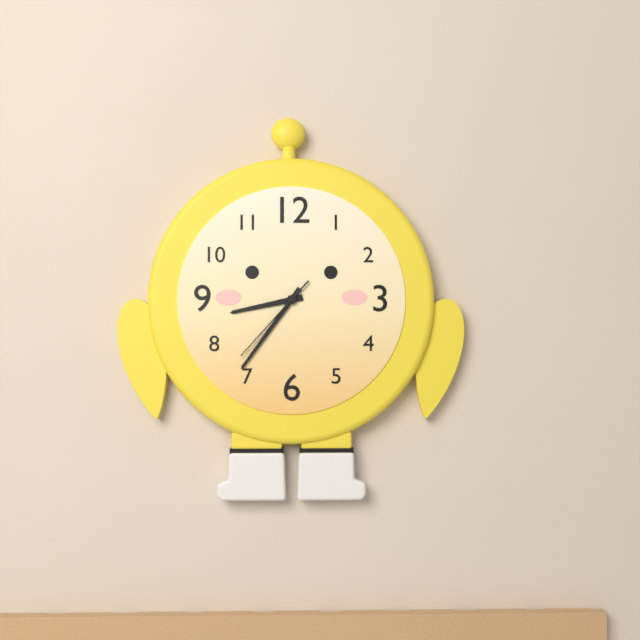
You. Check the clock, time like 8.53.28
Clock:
8.36.37
